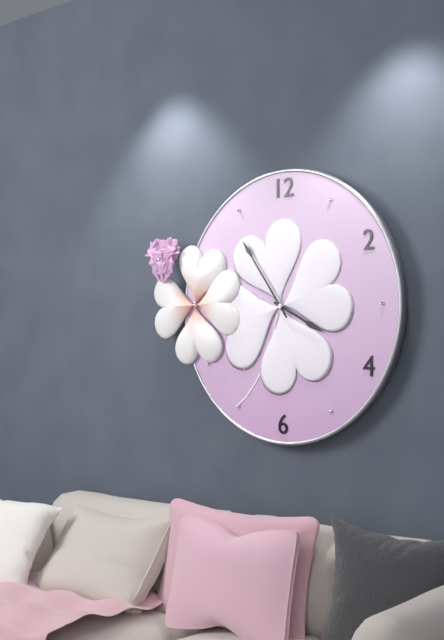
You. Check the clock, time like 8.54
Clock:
3.54
